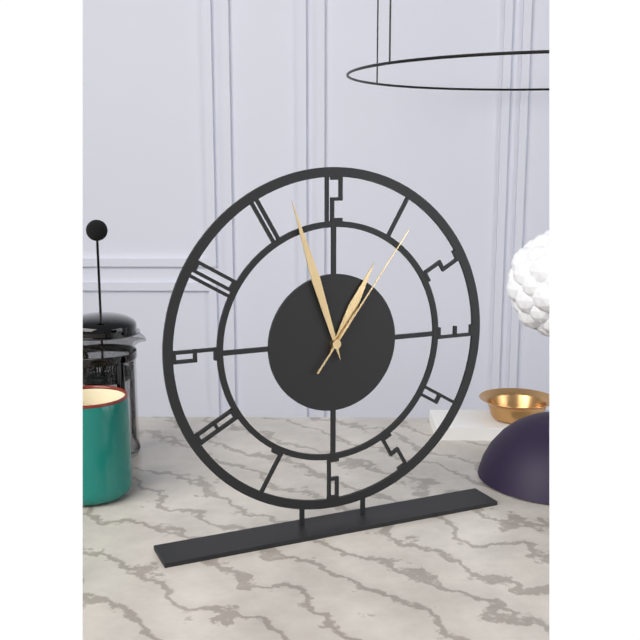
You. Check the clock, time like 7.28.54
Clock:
12.57.06
